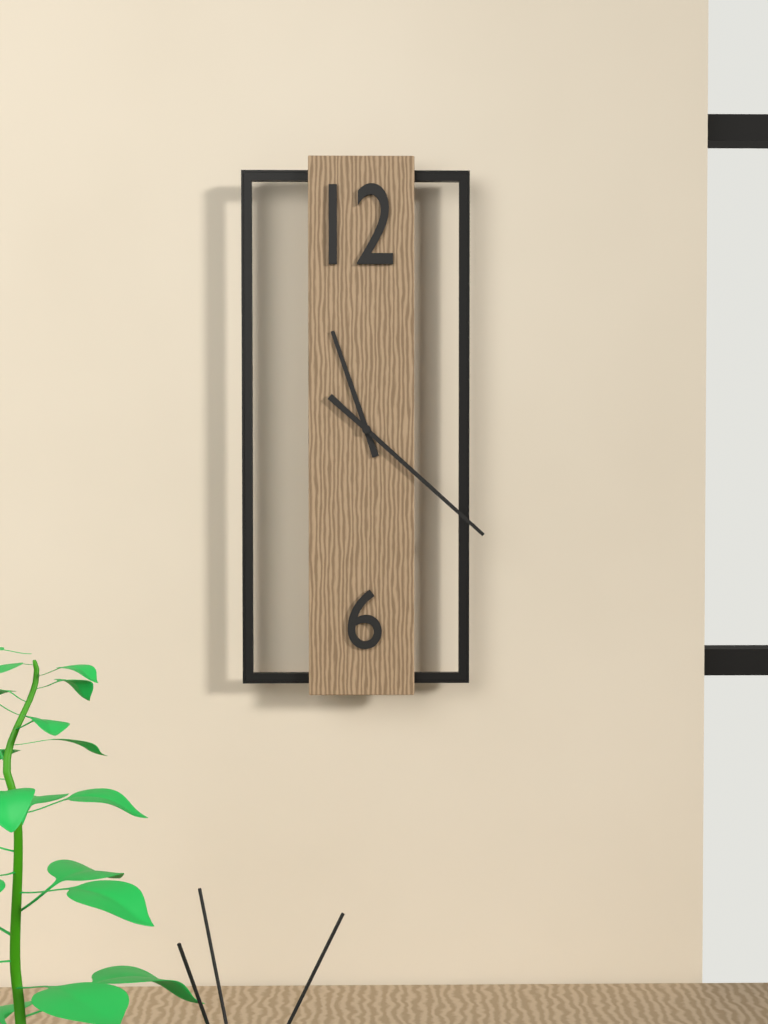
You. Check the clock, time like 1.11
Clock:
11.22
